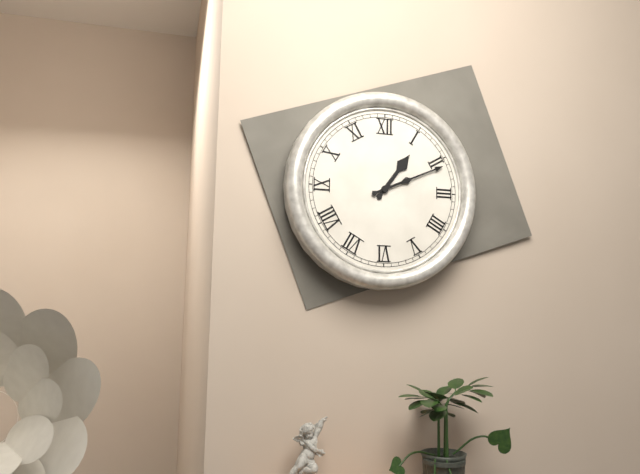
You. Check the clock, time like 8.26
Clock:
1.11
